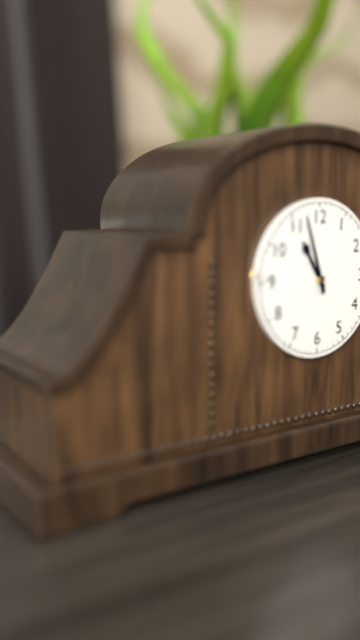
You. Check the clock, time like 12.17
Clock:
10.57
